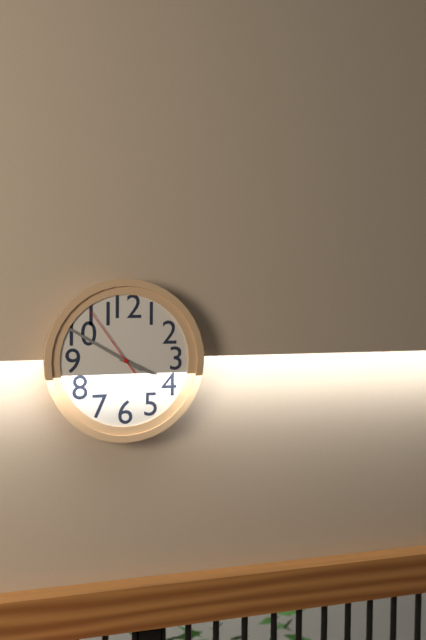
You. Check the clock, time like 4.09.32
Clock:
3.50.54
